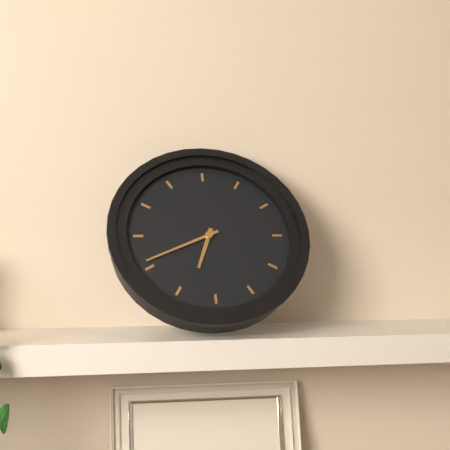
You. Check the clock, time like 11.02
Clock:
6.41
